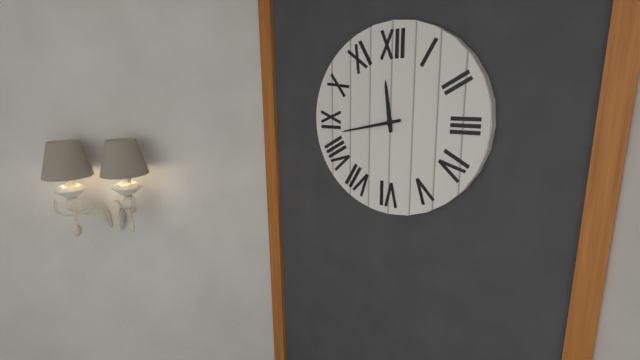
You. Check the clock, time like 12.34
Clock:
11.43
